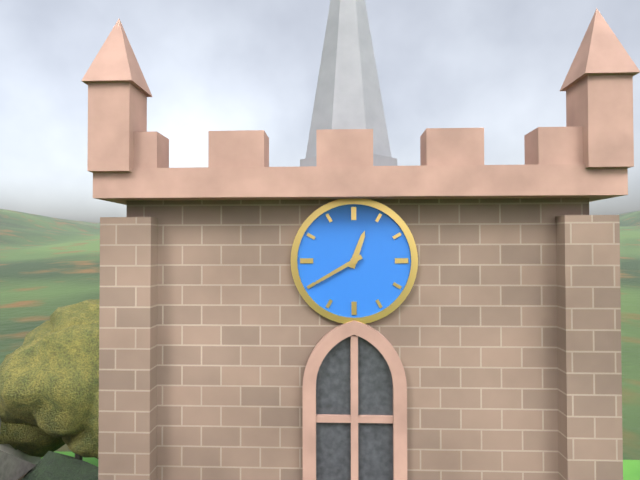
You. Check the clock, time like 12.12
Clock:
12.40
